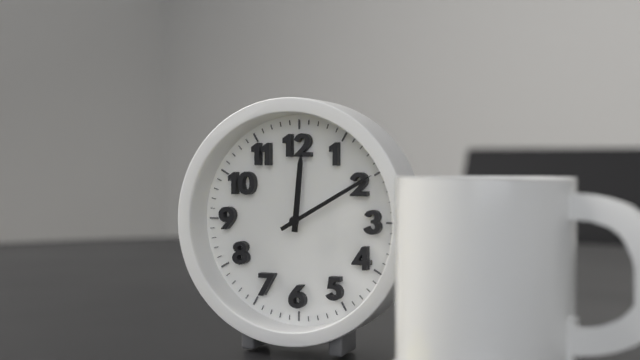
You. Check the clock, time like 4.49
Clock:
12.10
